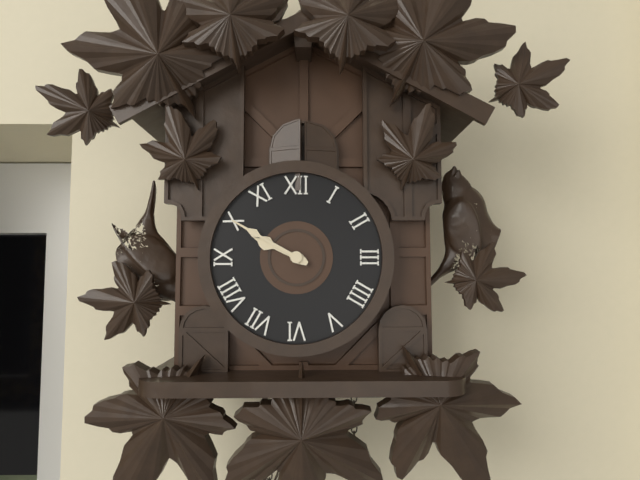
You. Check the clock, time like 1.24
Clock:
9.50
